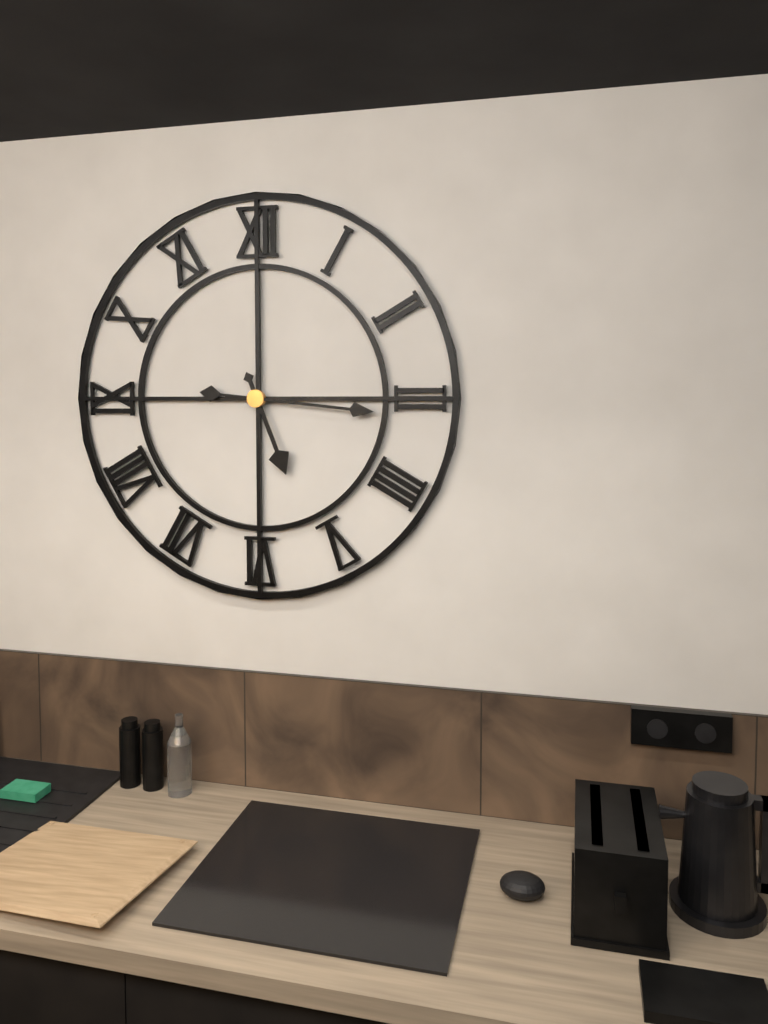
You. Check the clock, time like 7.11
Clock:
5.16
